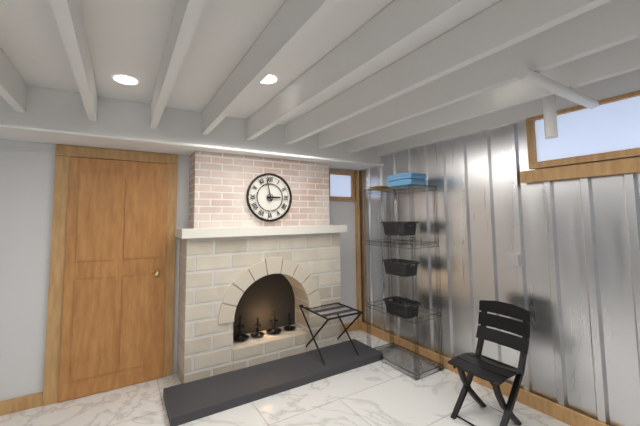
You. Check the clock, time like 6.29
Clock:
2.58
